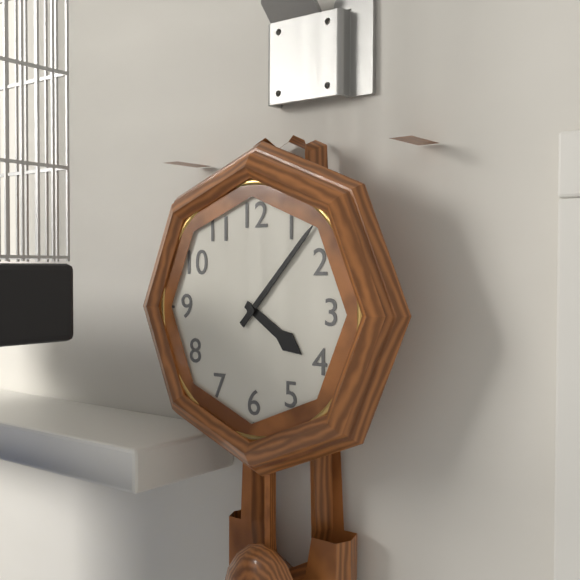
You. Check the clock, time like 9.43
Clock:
4.07
